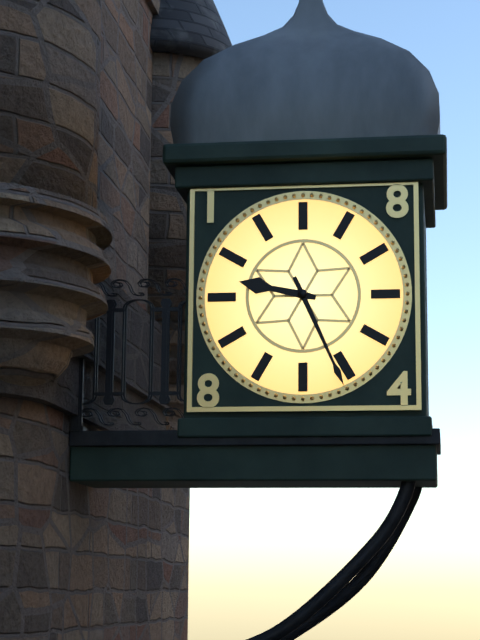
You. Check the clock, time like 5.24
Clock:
9.26
